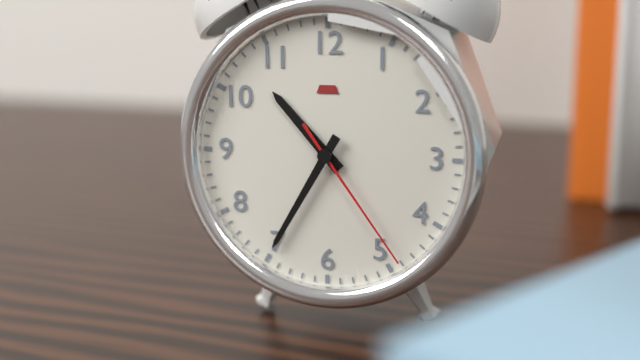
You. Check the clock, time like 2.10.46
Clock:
10.35.24
